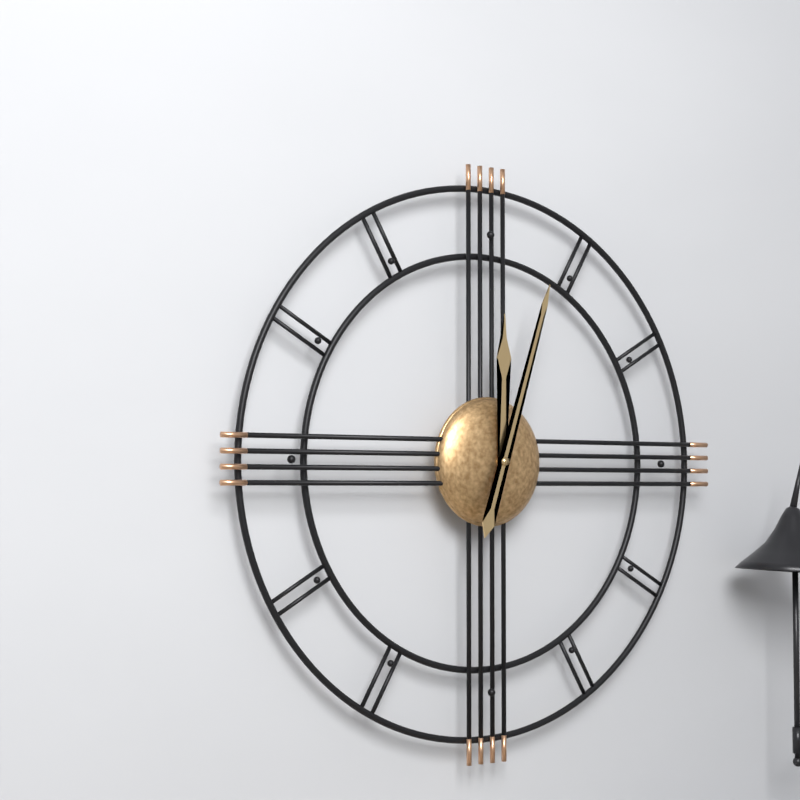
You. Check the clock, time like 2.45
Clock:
12.03
